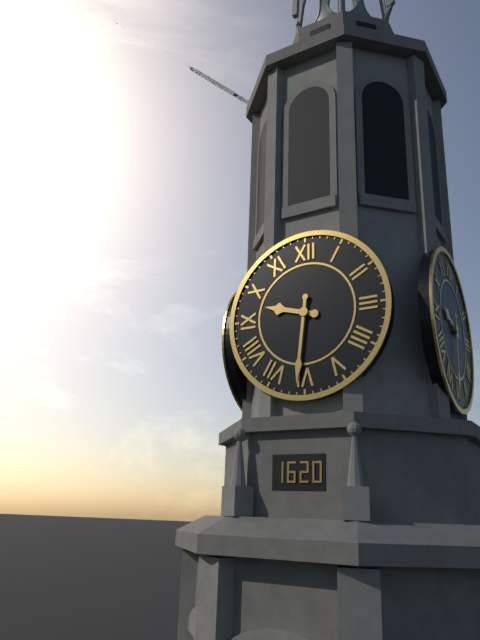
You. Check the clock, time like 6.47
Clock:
9.31
